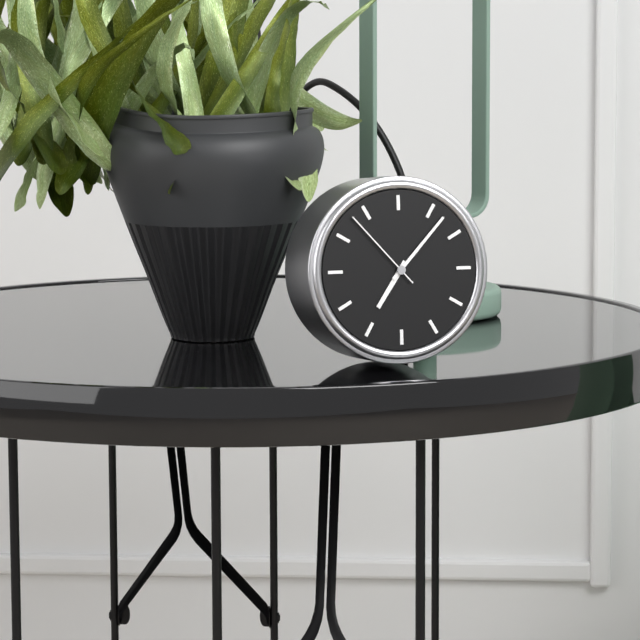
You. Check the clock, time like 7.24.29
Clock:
7.07.53
